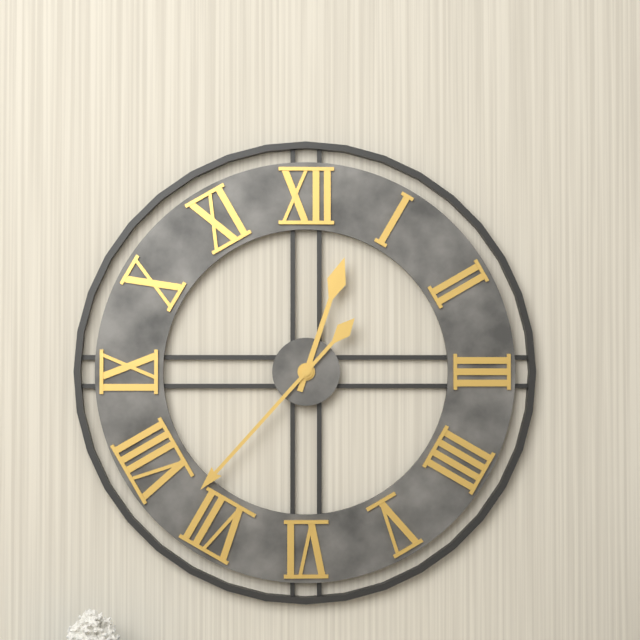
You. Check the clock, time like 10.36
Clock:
12.37
